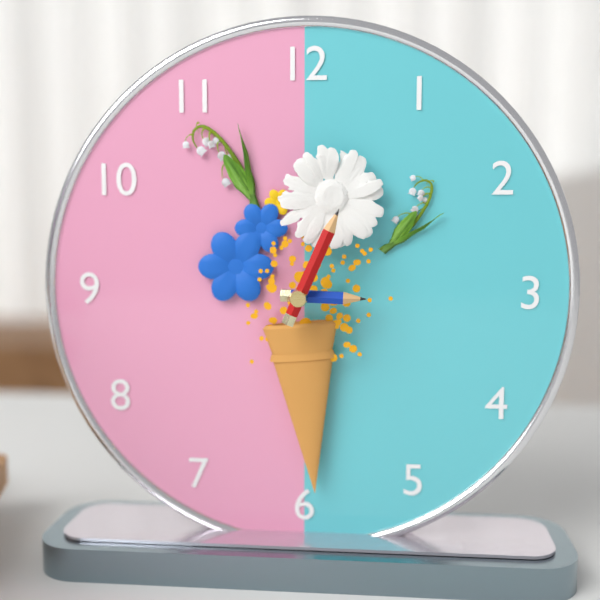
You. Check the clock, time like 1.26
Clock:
3.04
